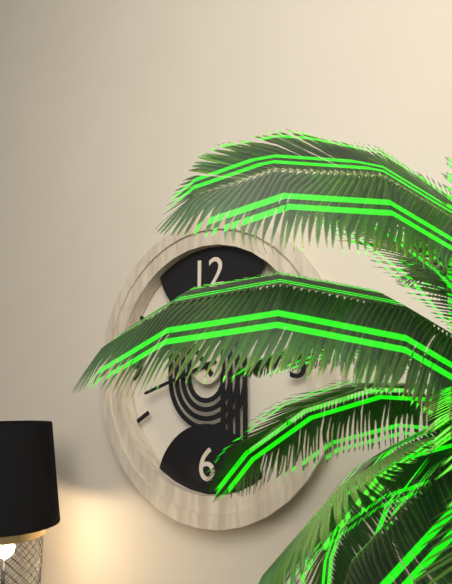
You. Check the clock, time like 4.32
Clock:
10.42
